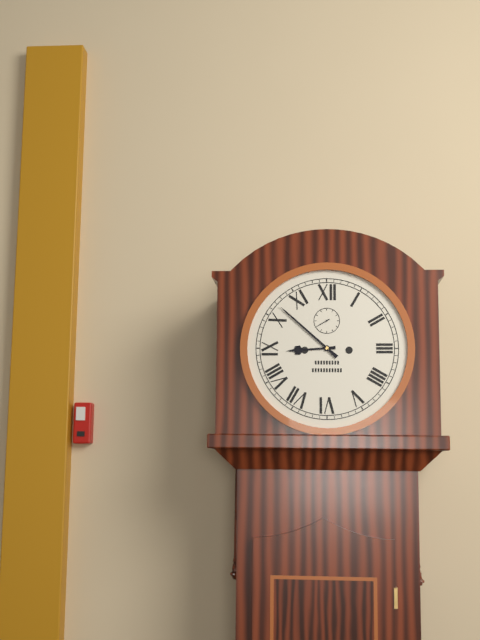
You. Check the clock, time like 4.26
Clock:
8.52
